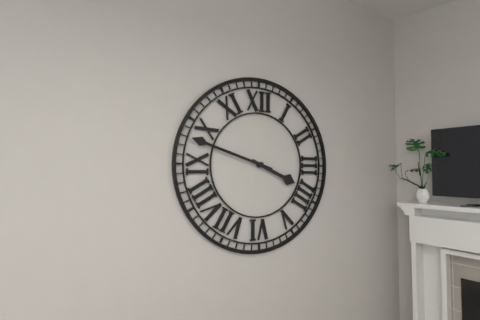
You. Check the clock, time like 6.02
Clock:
3.48
